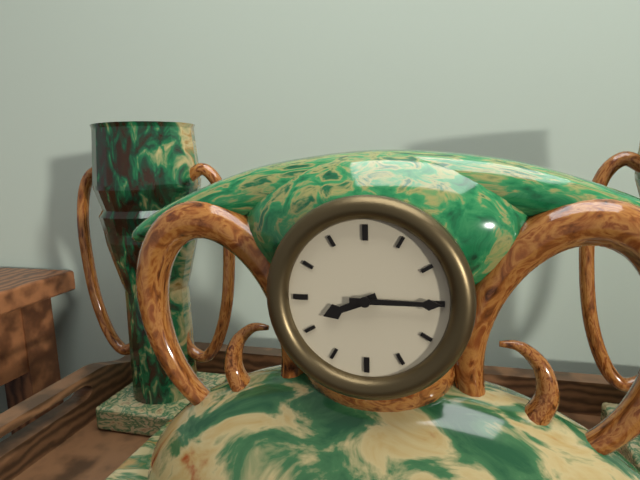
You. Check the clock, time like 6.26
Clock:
8.15
